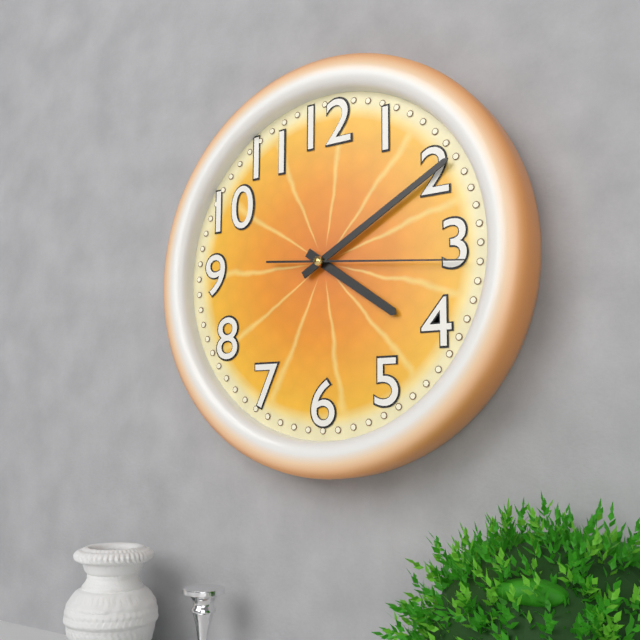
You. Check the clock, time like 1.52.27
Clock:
4.10.16
